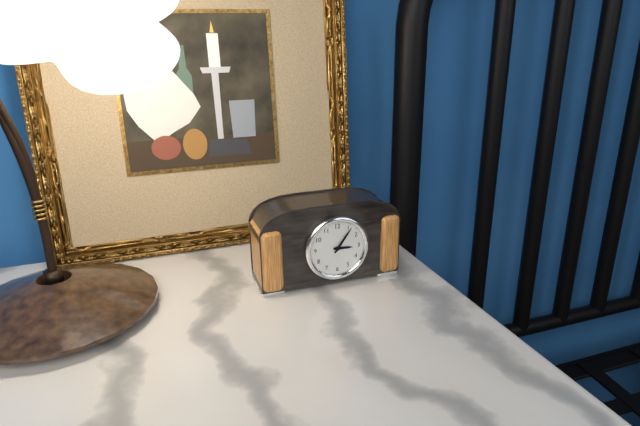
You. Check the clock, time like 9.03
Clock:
3.06
